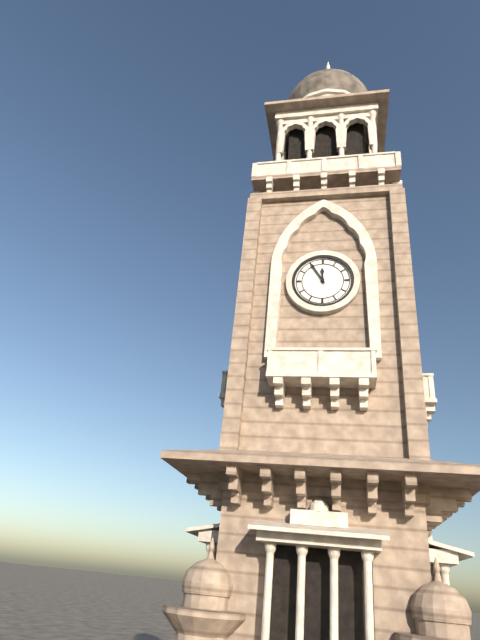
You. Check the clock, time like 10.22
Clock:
11.55
